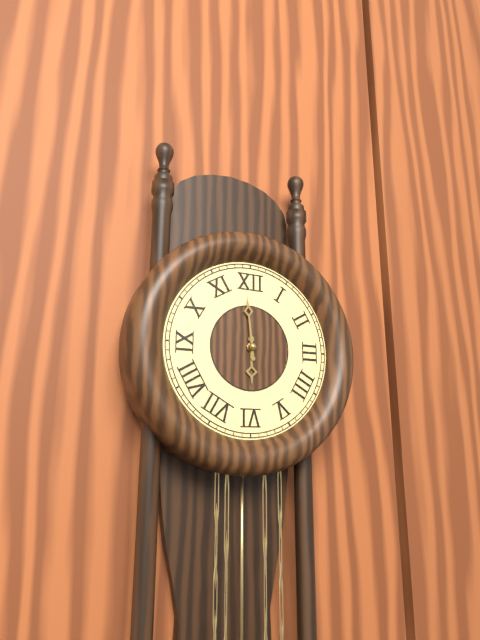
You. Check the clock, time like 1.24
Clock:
5.59
